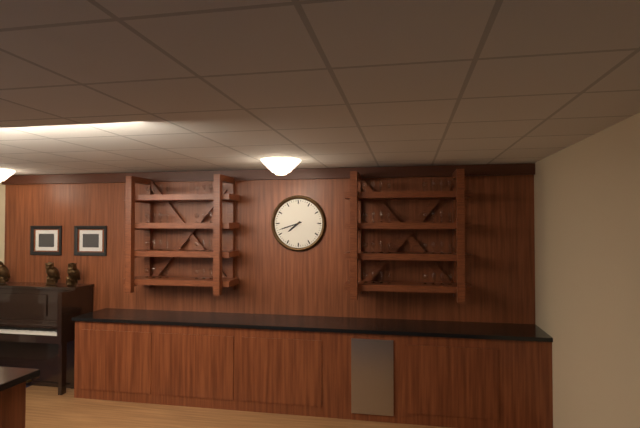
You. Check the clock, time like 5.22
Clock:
7.42
